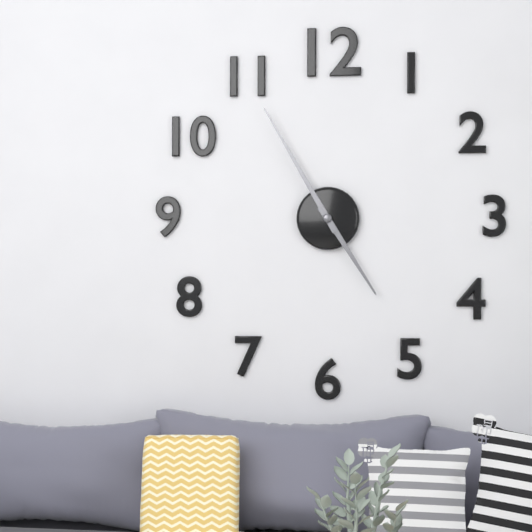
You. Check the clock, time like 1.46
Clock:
4.55
